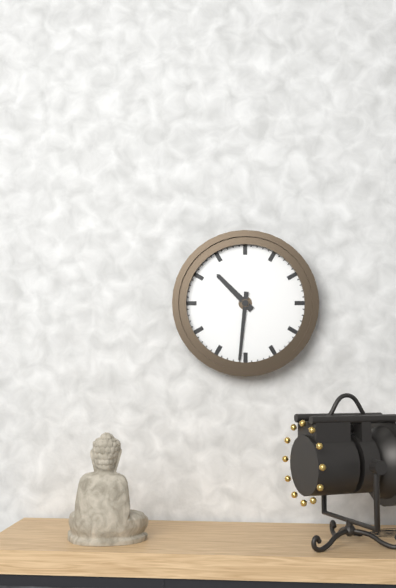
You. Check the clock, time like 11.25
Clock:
10.31
